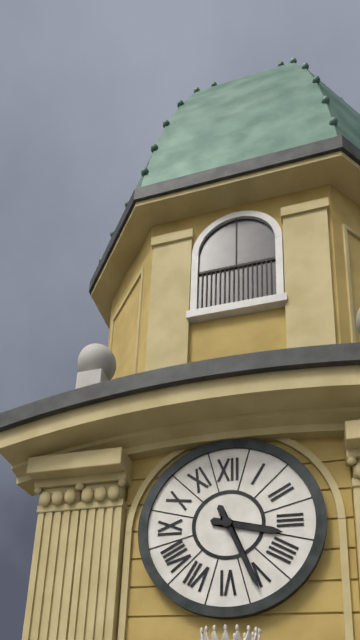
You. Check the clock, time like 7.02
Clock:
3.26
